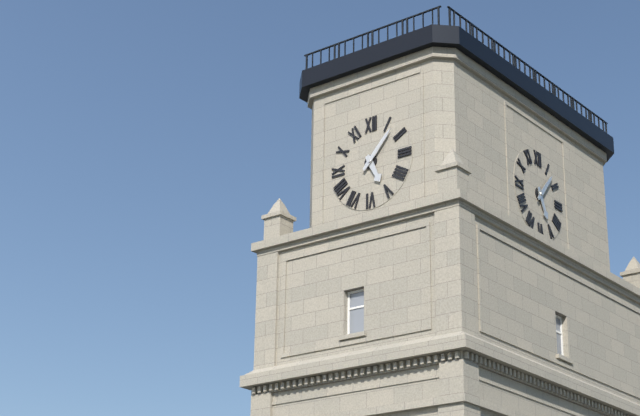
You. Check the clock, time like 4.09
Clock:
5.07
